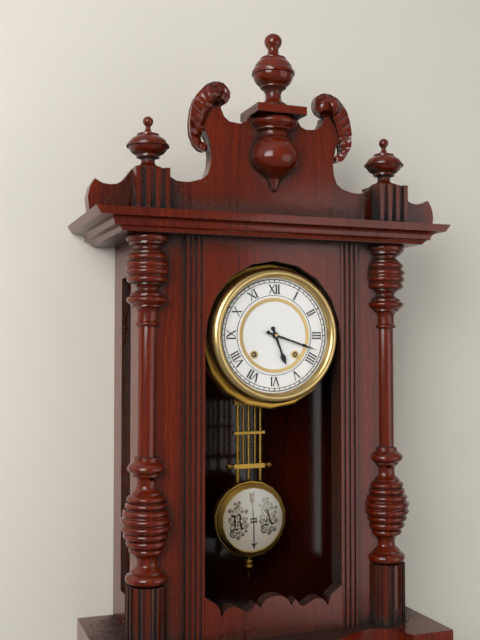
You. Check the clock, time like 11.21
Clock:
5.18
